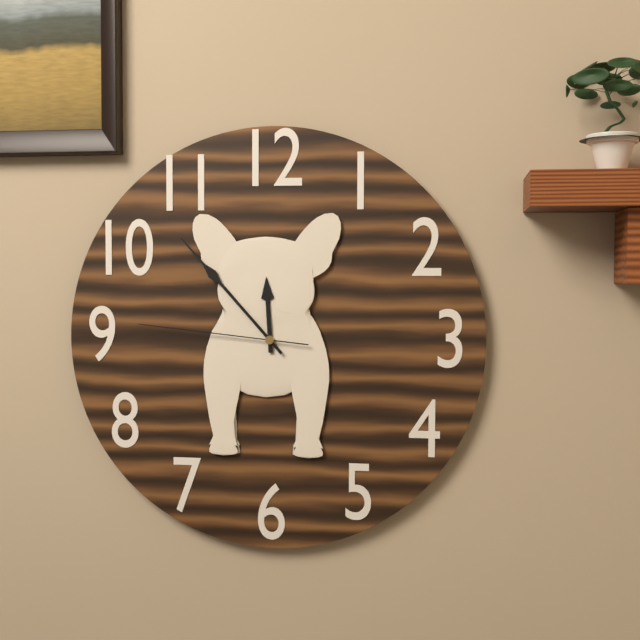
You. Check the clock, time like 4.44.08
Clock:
11.53.46
